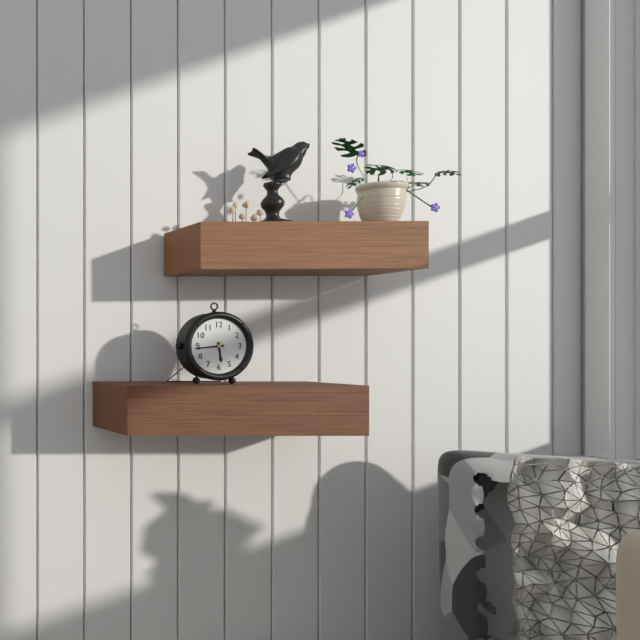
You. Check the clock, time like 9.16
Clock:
5.44
